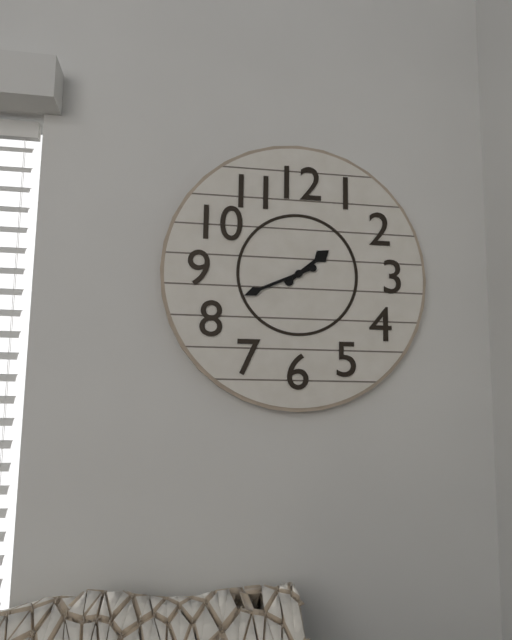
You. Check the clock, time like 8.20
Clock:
1.41
